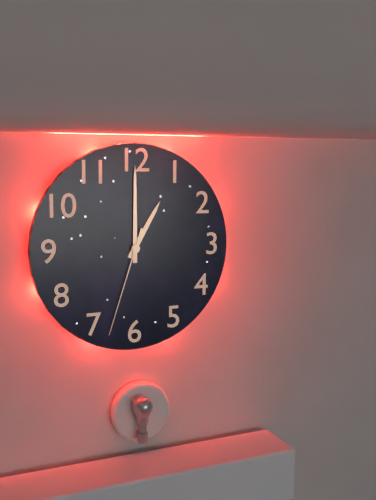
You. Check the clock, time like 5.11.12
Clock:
1.00.33
